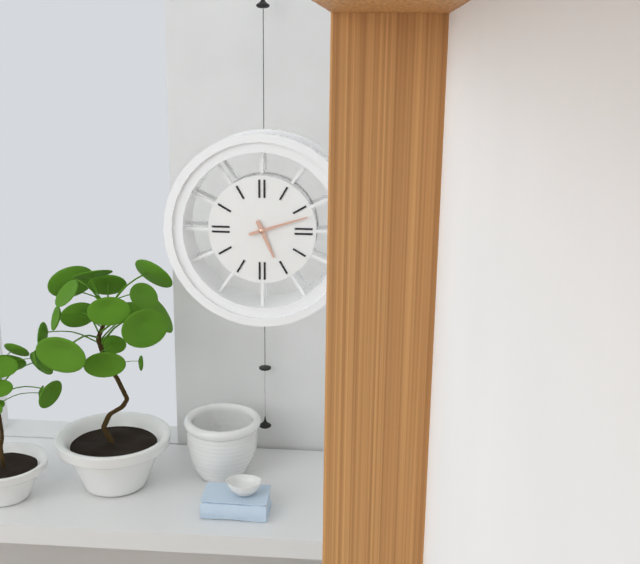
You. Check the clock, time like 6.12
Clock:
5.12
